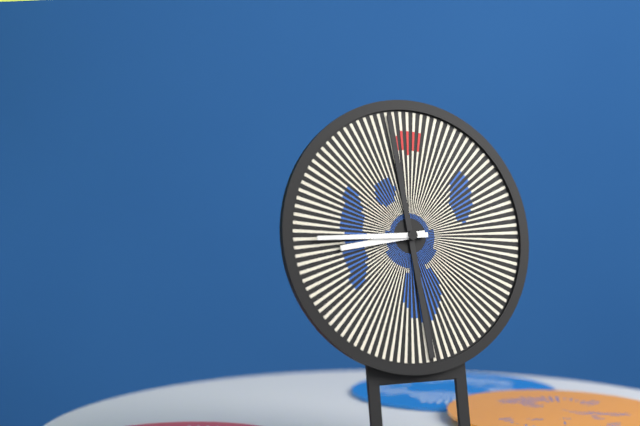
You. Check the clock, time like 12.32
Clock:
8.45
